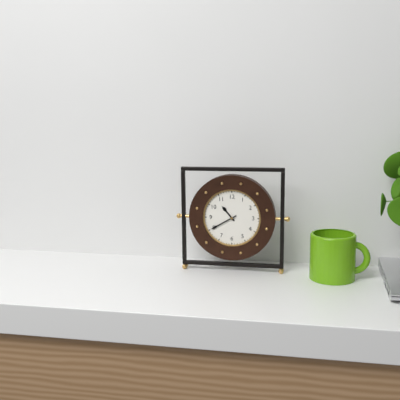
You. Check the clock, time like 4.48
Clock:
10.40
